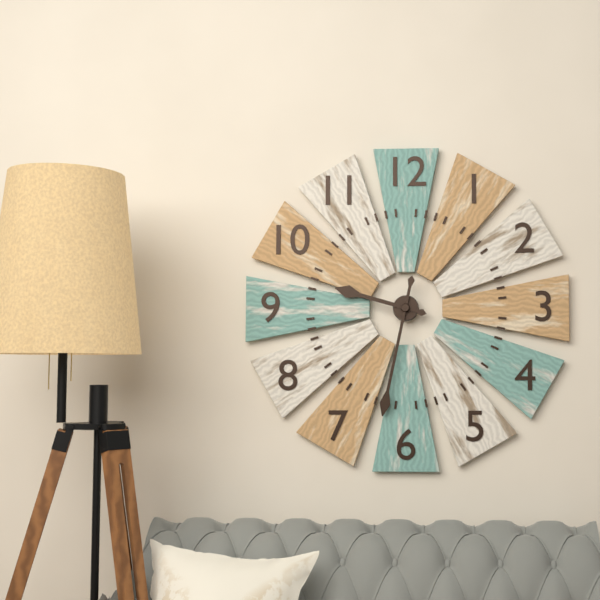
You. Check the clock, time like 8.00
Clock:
9.32
